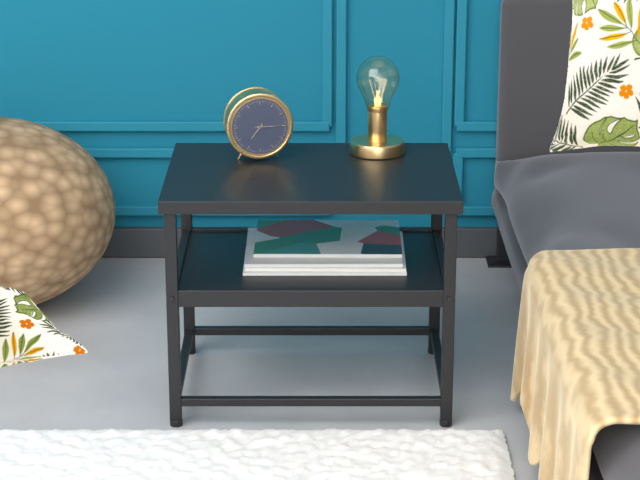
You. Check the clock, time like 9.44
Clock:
7.15
